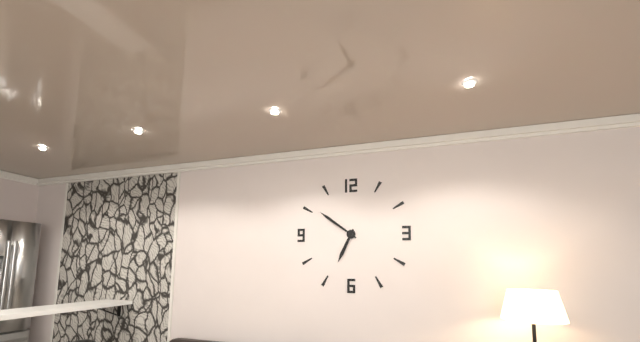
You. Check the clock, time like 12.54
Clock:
6.51
